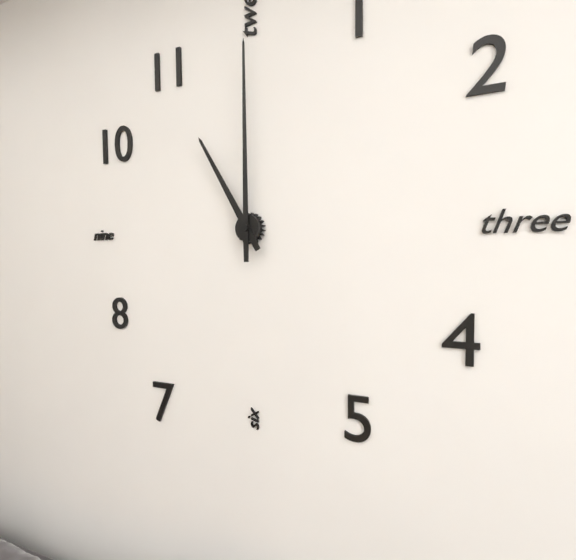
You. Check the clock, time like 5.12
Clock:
11.00
